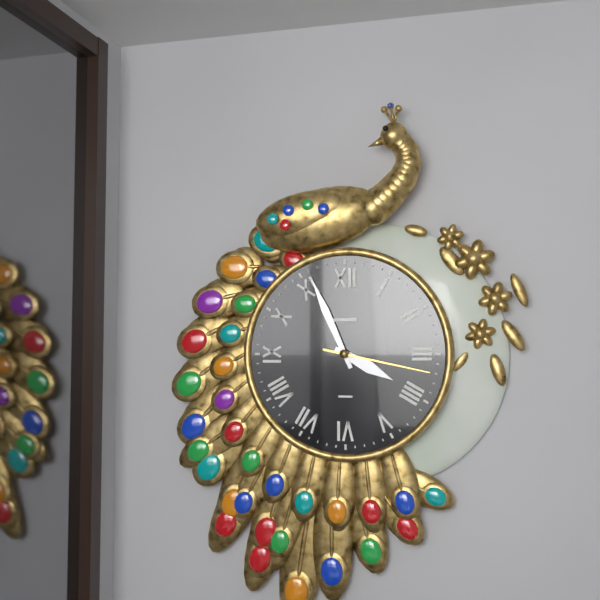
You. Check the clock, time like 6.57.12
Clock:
3.56.17
